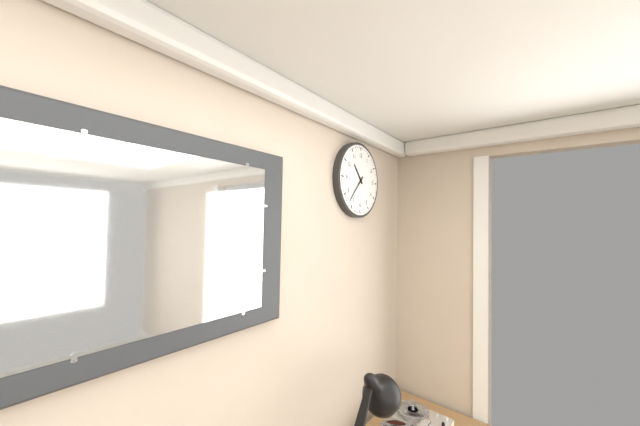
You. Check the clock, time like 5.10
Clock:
10.37
